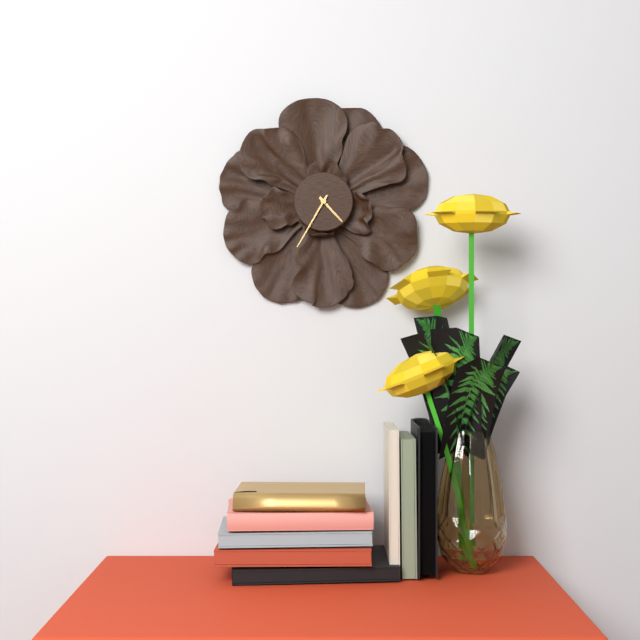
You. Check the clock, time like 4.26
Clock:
4.35
